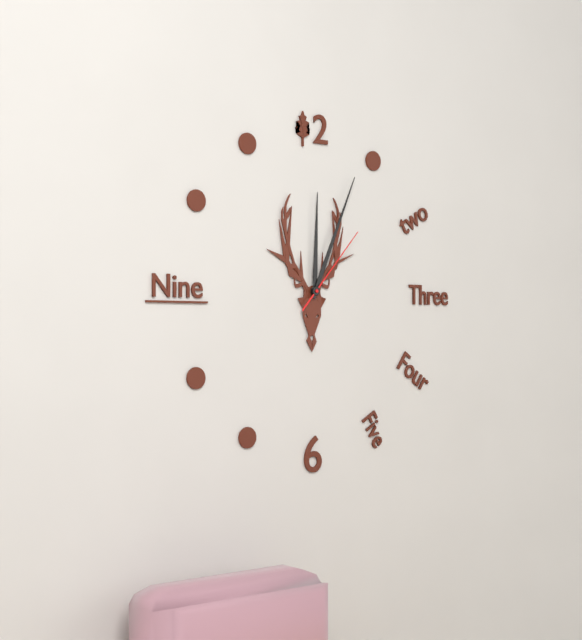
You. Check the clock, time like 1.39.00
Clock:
12.04.07
